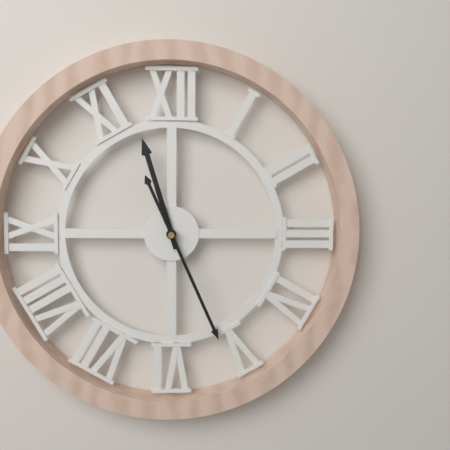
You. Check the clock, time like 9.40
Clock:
11.26
